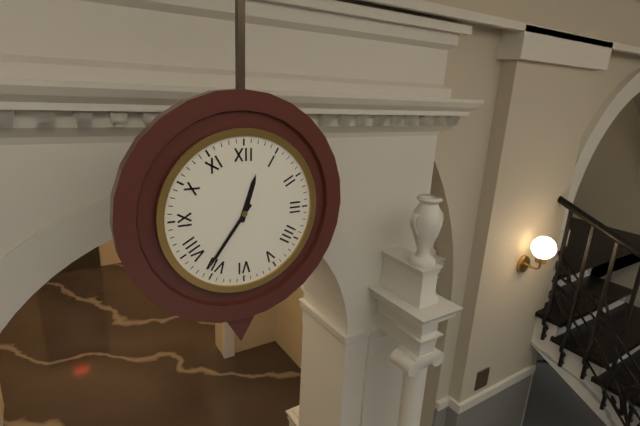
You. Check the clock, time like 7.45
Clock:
12.36
